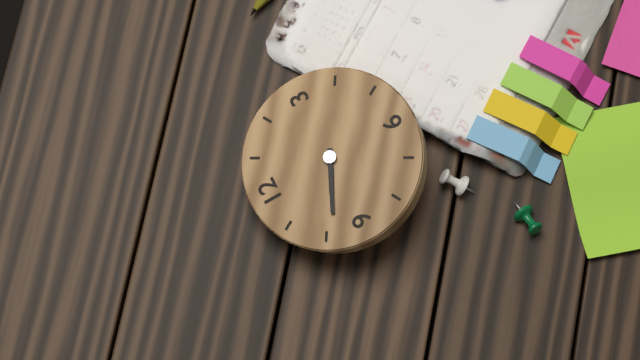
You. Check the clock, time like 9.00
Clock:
9.49
